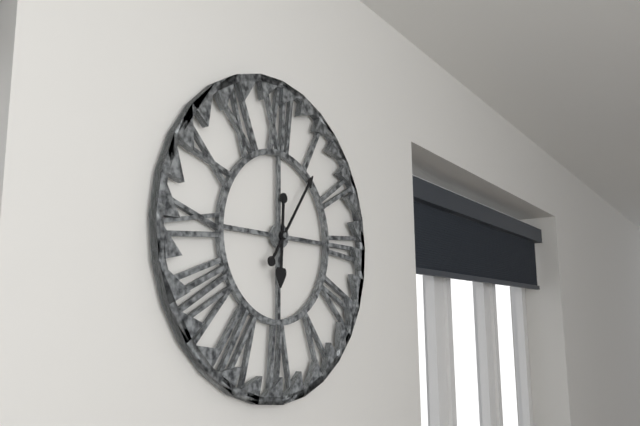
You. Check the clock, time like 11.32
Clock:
6.06
